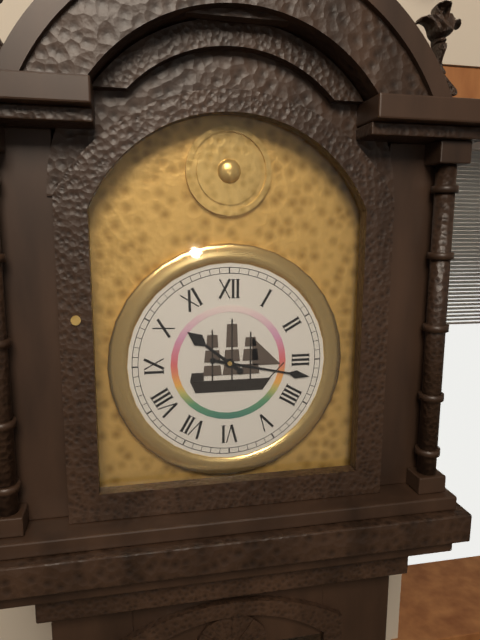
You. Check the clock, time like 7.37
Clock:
10.17
